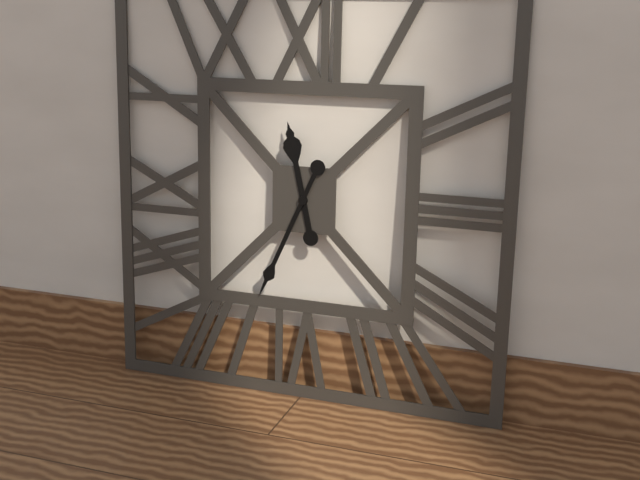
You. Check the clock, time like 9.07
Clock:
11.34
